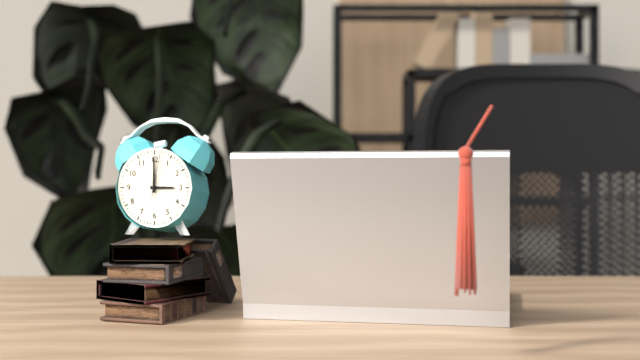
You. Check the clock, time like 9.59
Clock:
3.00
